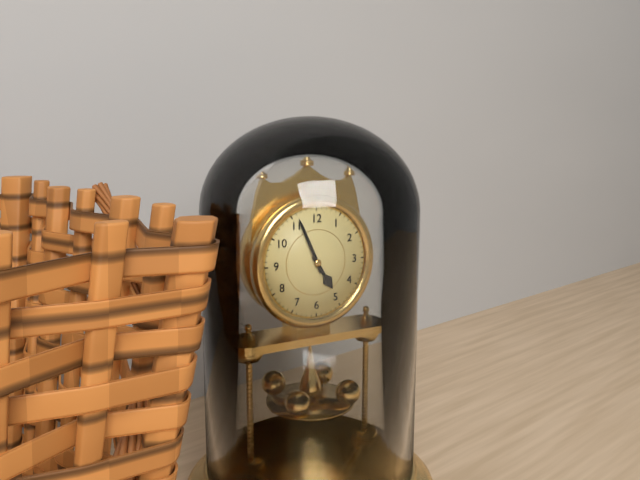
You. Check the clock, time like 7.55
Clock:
4.56
